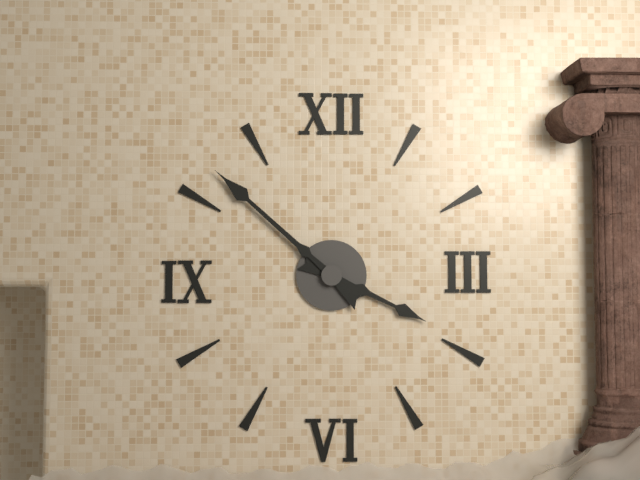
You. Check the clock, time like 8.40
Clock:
3.52
